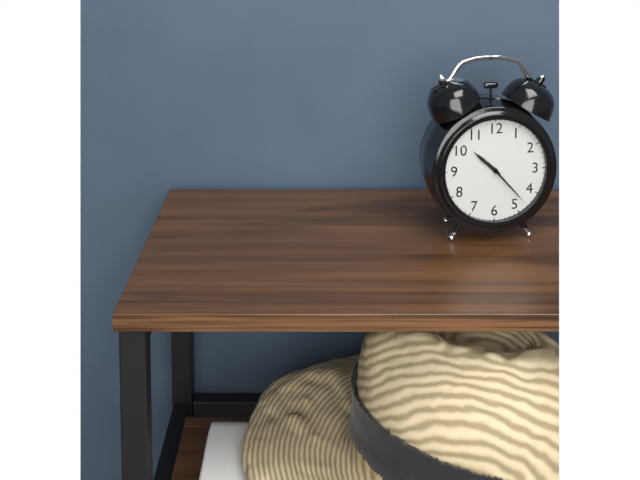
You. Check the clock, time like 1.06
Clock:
10.23
